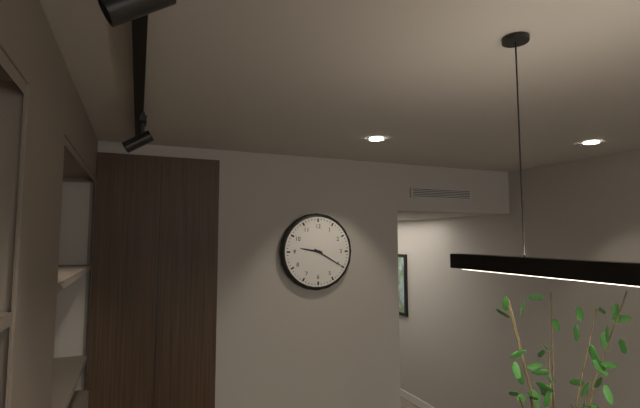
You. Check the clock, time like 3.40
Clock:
9.20
